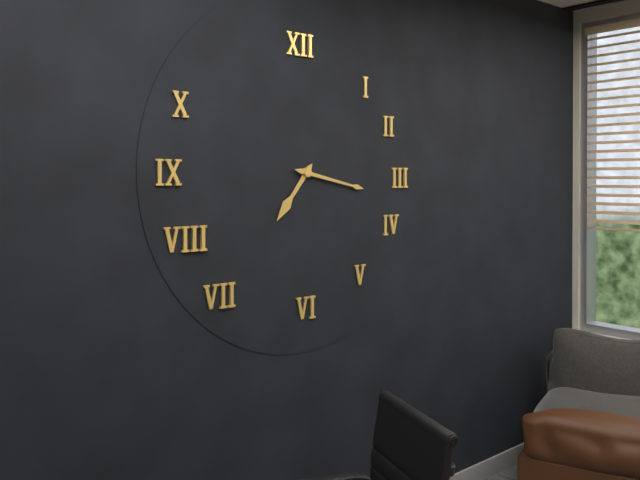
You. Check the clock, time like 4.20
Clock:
7.17
